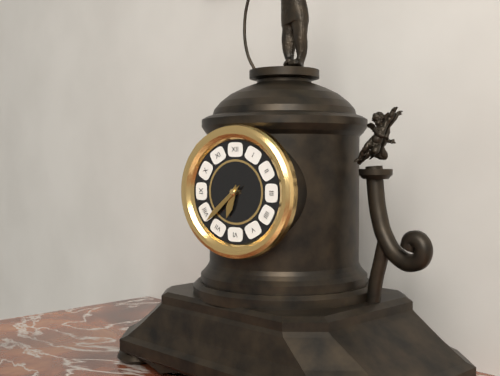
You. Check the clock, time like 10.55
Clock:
6.38
